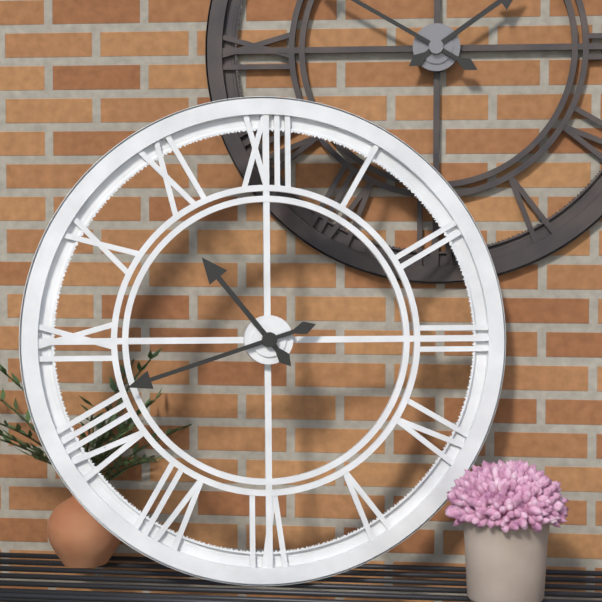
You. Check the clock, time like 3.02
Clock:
10.42
